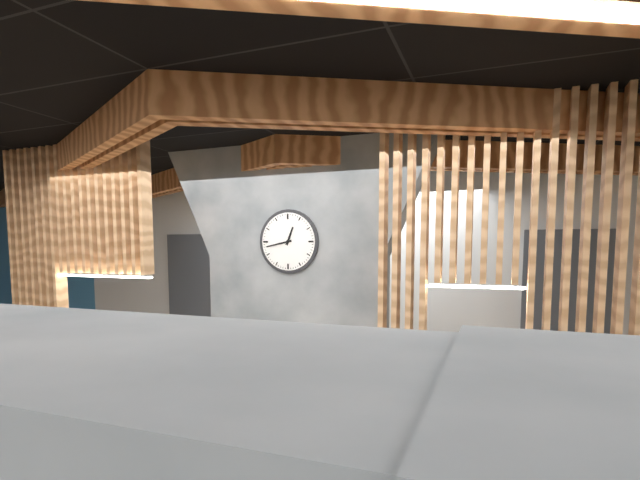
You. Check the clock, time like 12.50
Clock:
12.43
